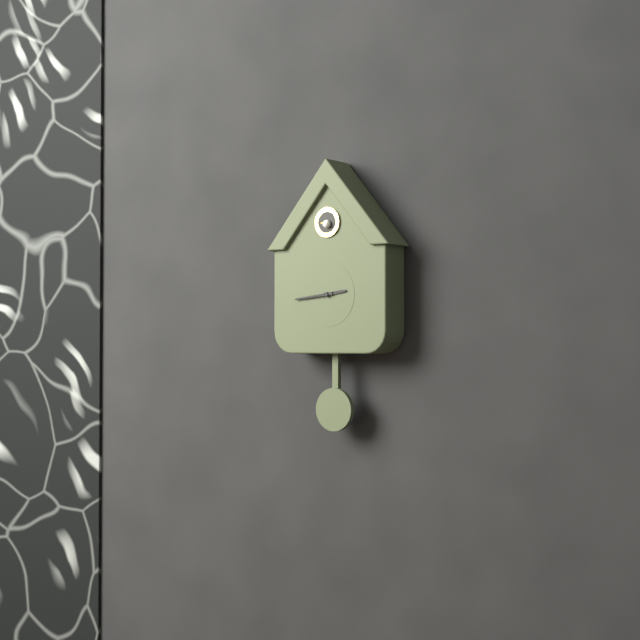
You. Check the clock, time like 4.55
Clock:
2.44
